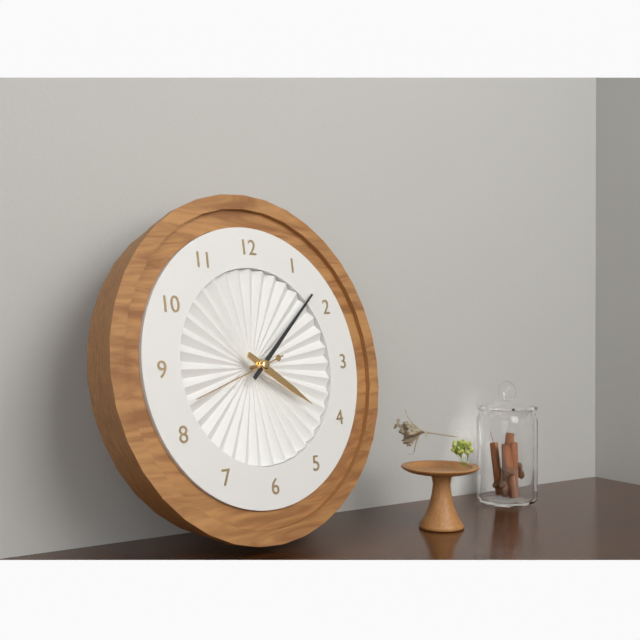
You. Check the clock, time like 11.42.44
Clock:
4.08.42
